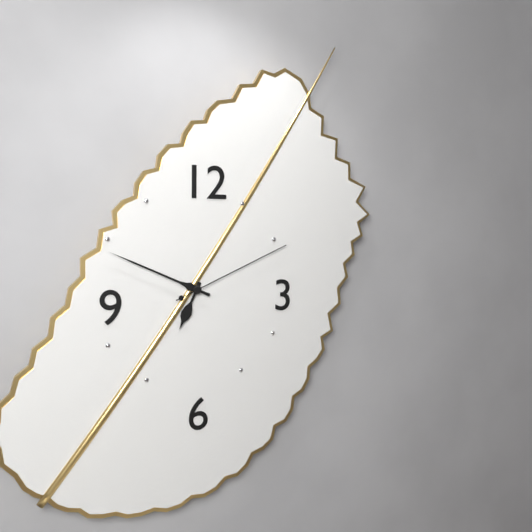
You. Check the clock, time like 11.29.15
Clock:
6.49.11
